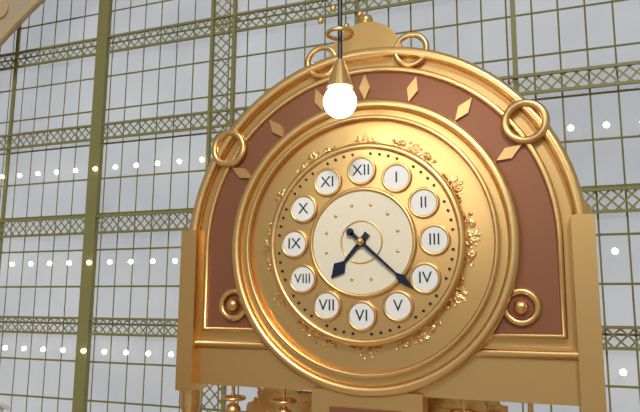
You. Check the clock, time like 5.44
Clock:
7.22
